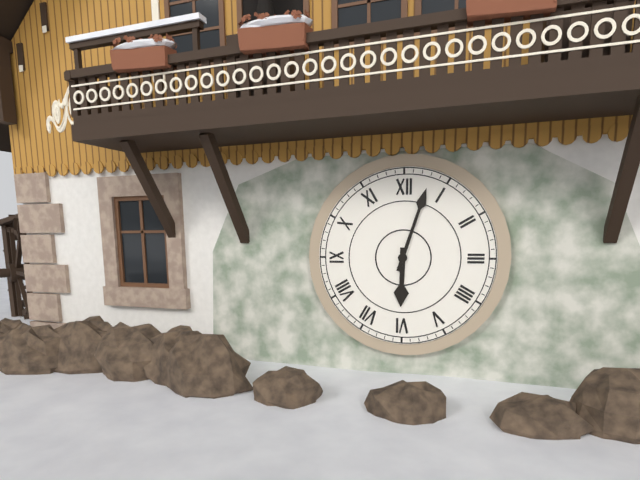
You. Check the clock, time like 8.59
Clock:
6.03
